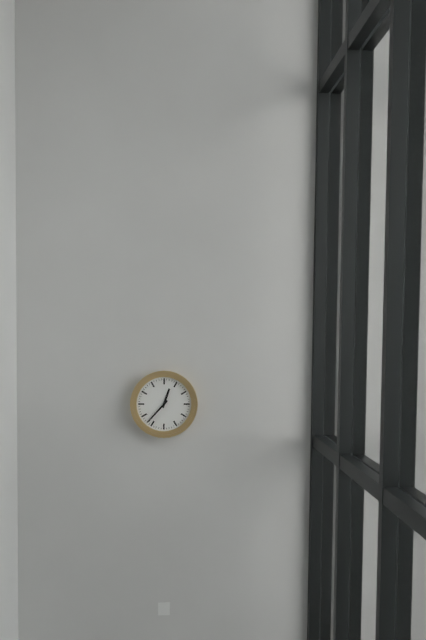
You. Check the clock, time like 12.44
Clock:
12.37
